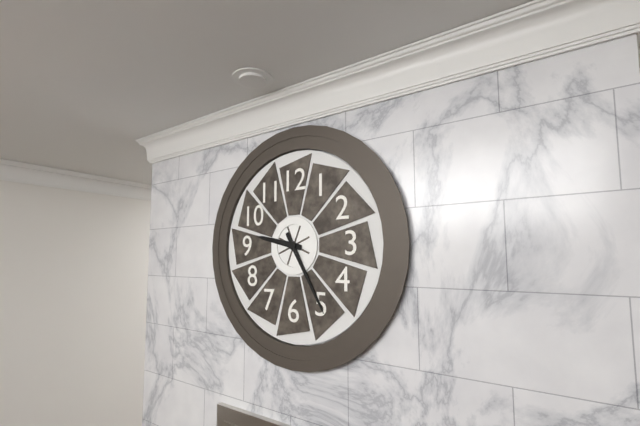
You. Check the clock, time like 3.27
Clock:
9.25
